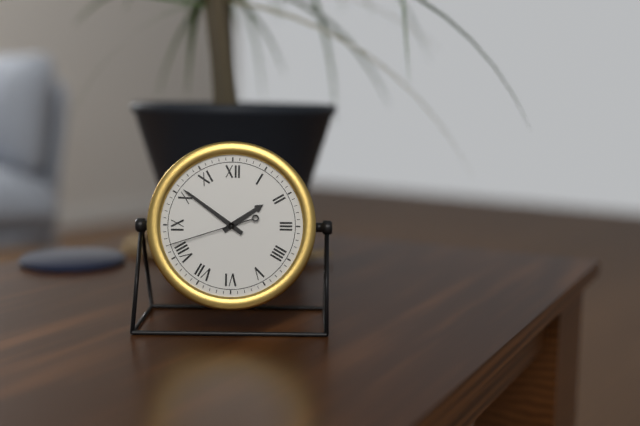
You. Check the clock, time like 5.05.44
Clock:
1.51.42
